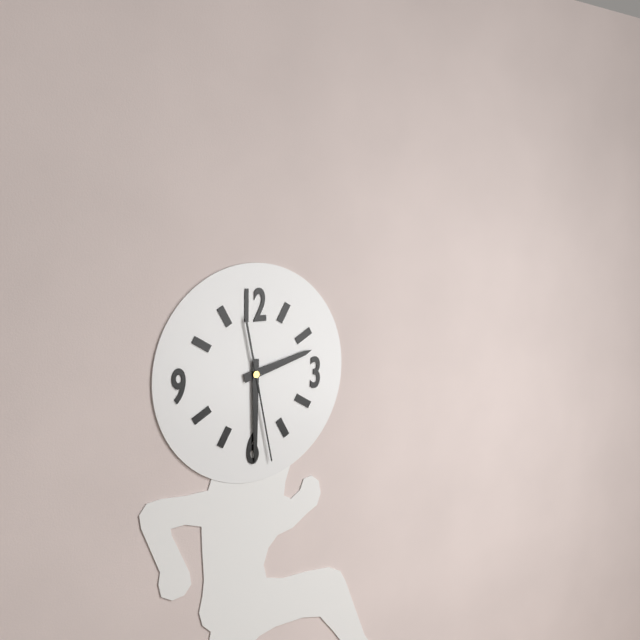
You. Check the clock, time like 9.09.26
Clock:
2.30.28
